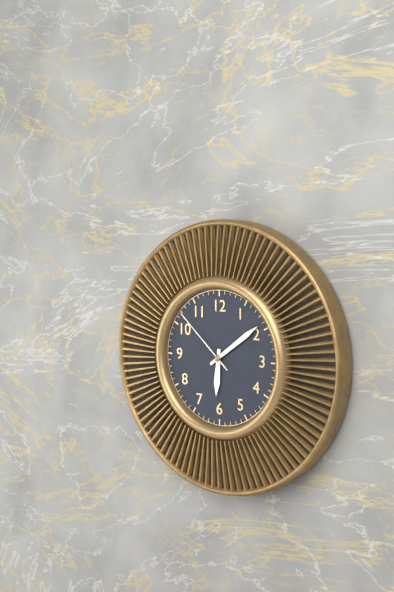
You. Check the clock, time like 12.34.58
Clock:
6.09.52
